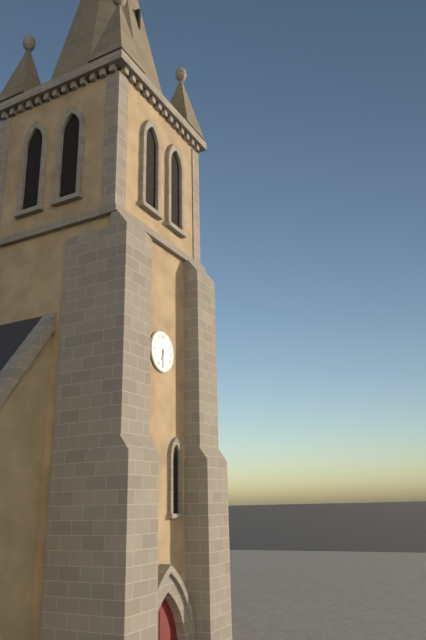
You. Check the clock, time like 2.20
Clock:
6.30
